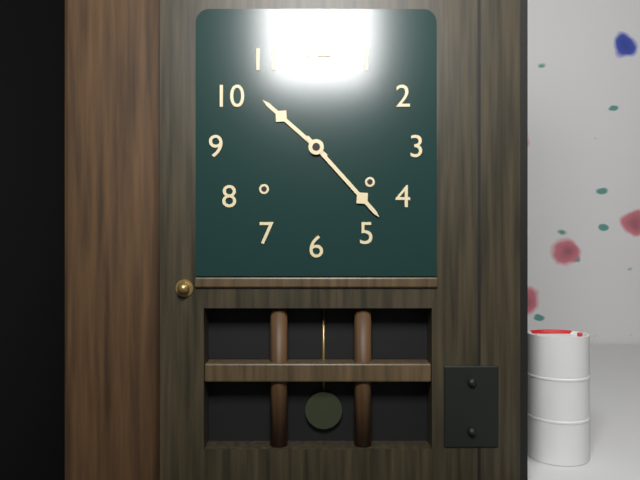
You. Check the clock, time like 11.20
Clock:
10.23
